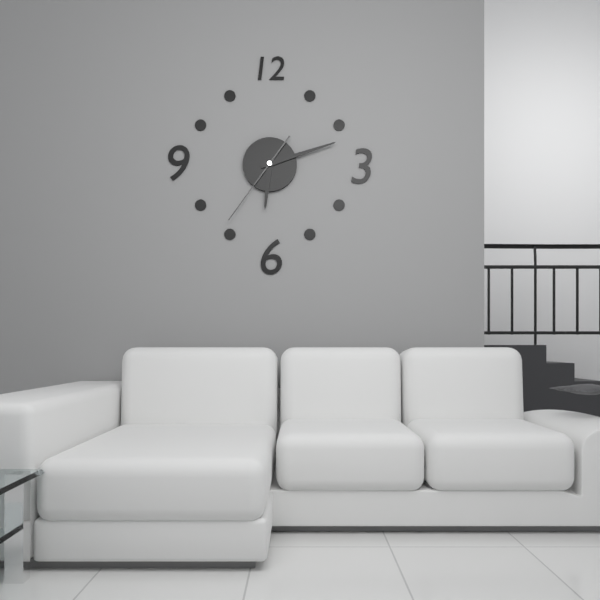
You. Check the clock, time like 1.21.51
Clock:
6.12.36
